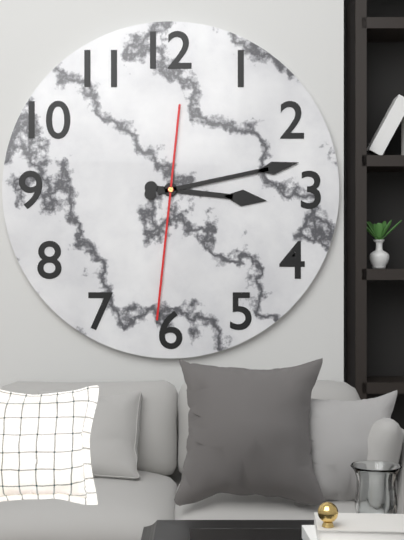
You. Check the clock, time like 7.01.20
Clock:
3.13.31
